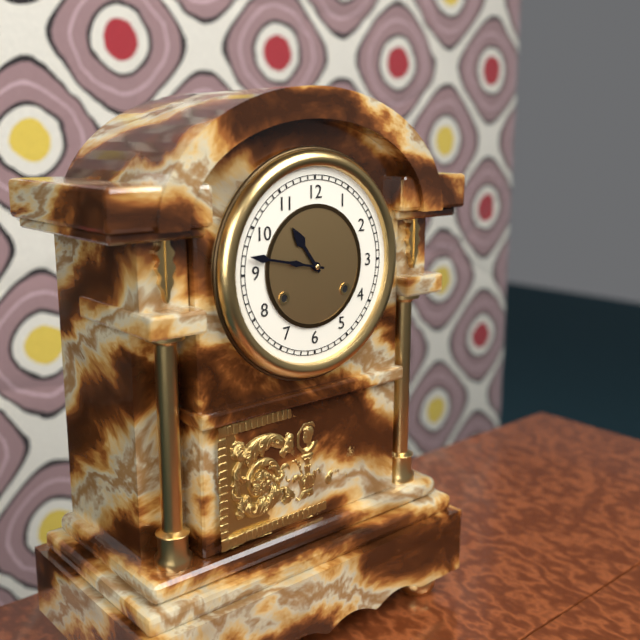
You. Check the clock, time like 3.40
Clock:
10.47
